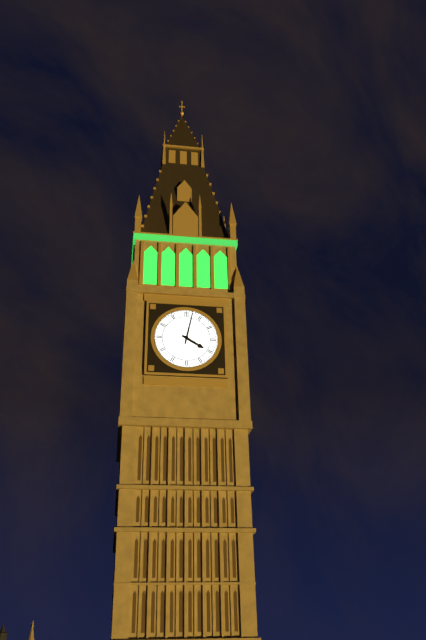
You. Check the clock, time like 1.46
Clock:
4.02
